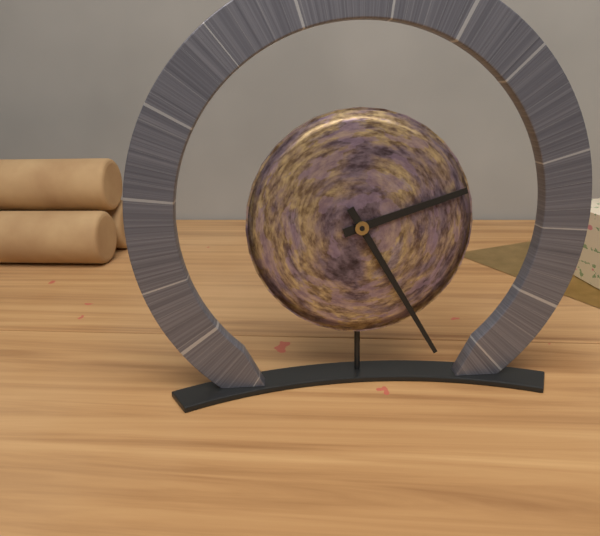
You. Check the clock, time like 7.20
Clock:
2.25
